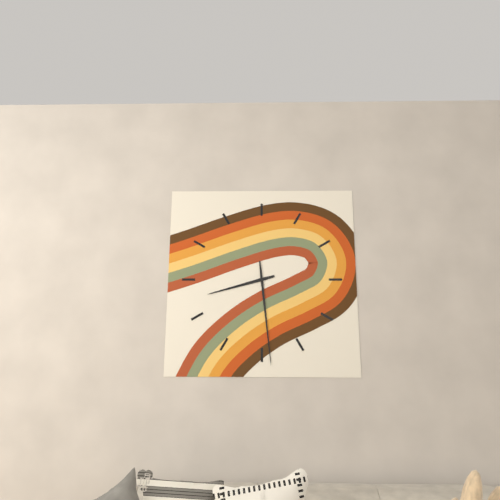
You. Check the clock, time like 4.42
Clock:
8.29
